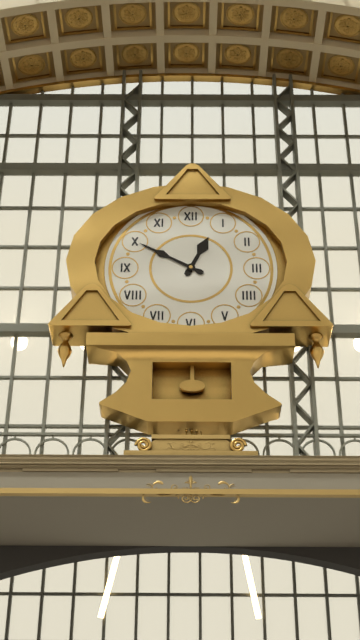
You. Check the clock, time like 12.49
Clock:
12.50
